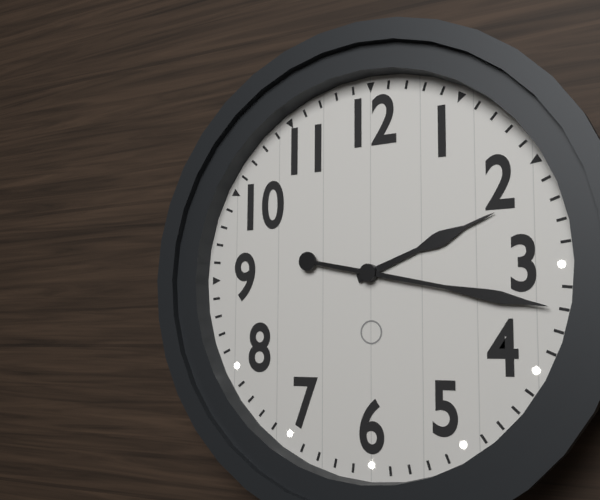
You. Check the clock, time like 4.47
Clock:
2.17
